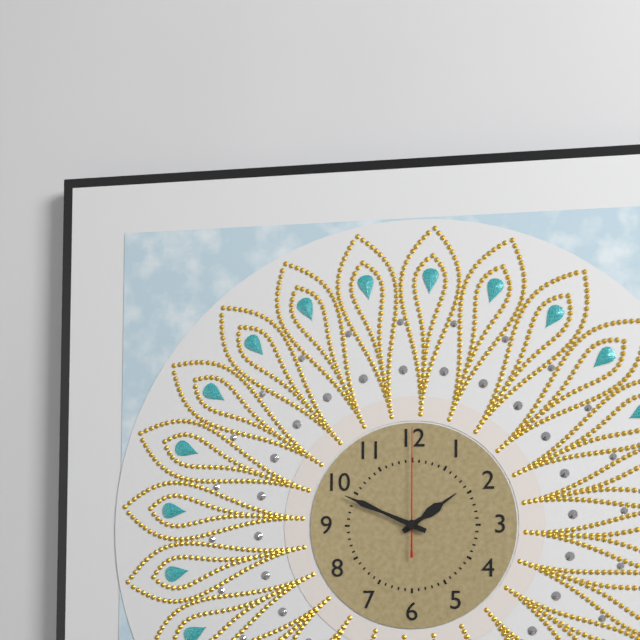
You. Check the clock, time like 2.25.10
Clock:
1.49.00
